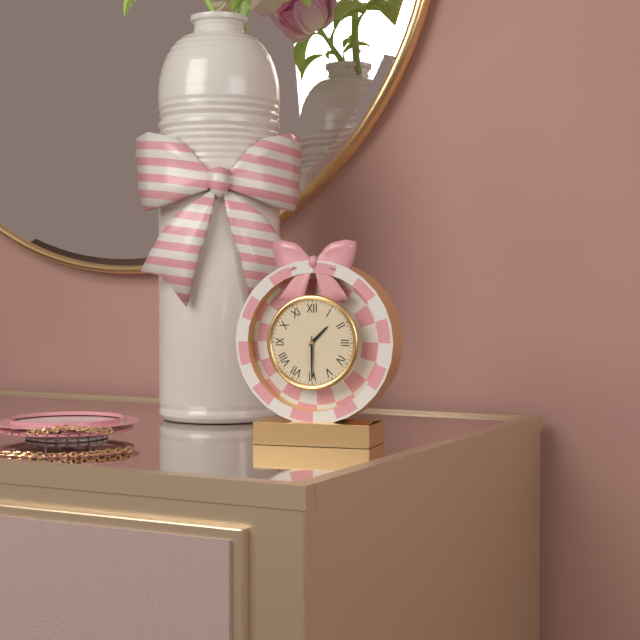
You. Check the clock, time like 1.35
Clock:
1.30
